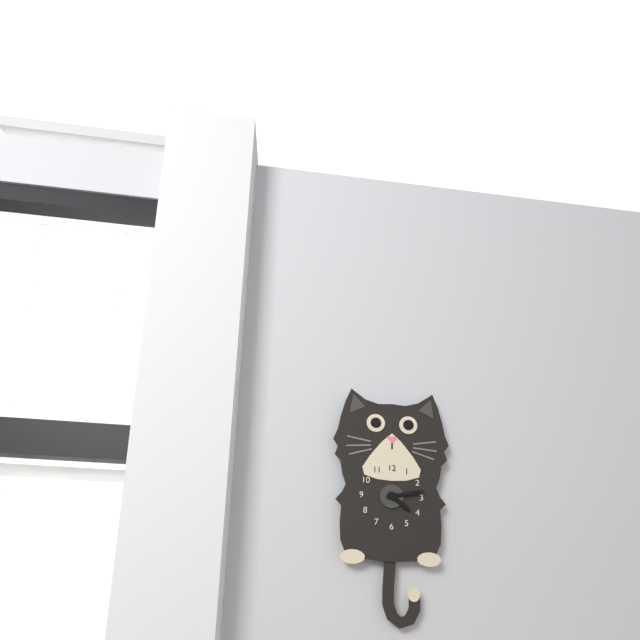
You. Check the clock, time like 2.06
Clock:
4.13
